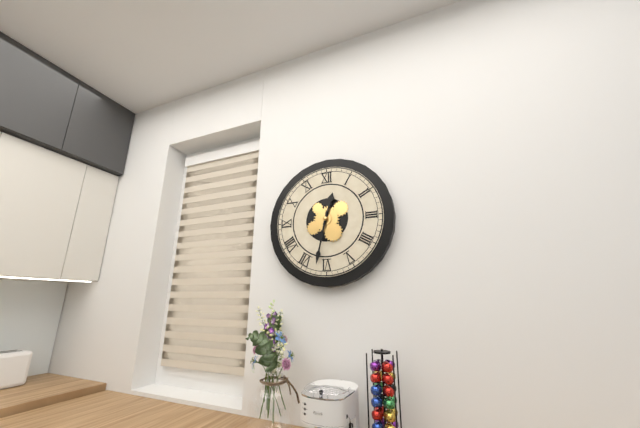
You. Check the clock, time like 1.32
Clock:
12.32
